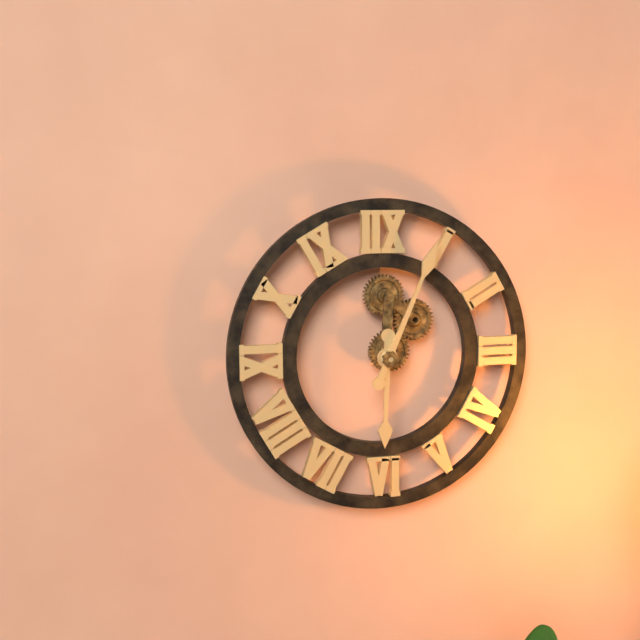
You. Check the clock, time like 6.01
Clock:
6.04
